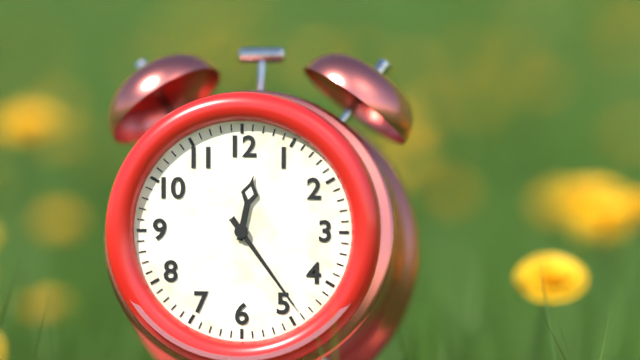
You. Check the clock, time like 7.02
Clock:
12.24
